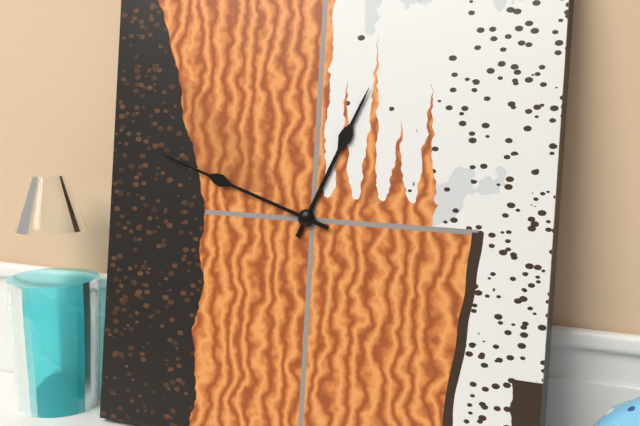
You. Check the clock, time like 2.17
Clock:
12.48
